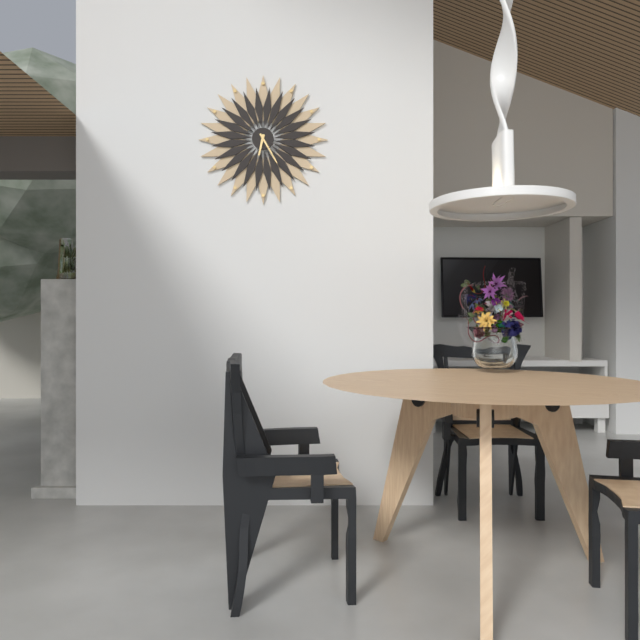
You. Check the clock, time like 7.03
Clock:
6.25
